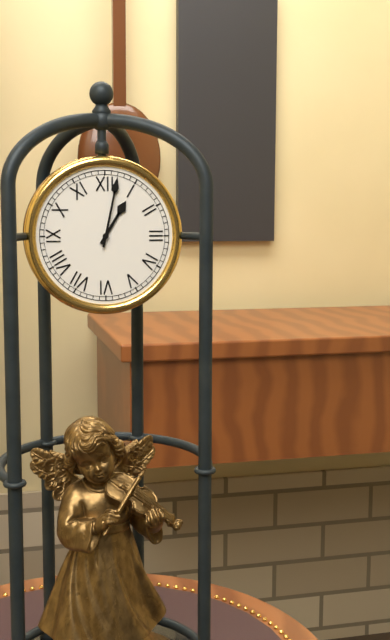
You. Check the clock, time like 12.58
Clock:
1.02
